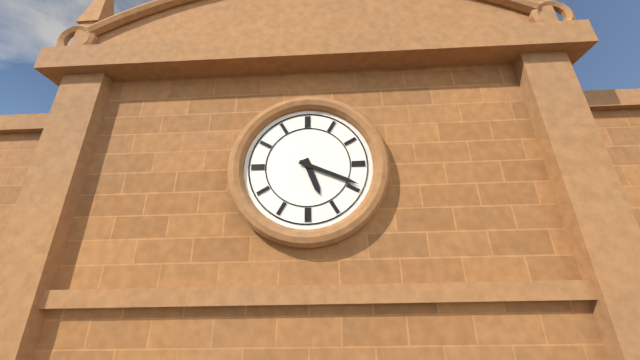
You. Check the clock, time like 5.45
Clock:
5.19
